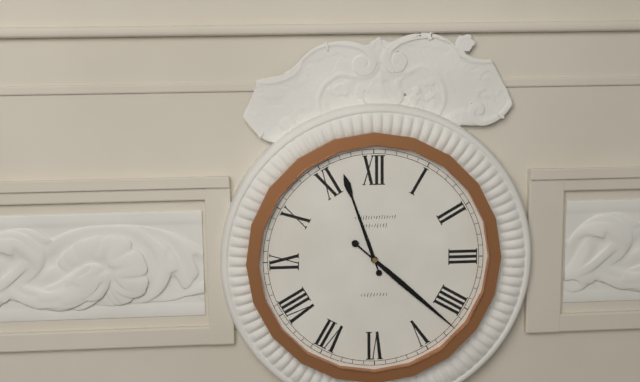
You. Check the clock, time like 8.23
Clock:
11.22
